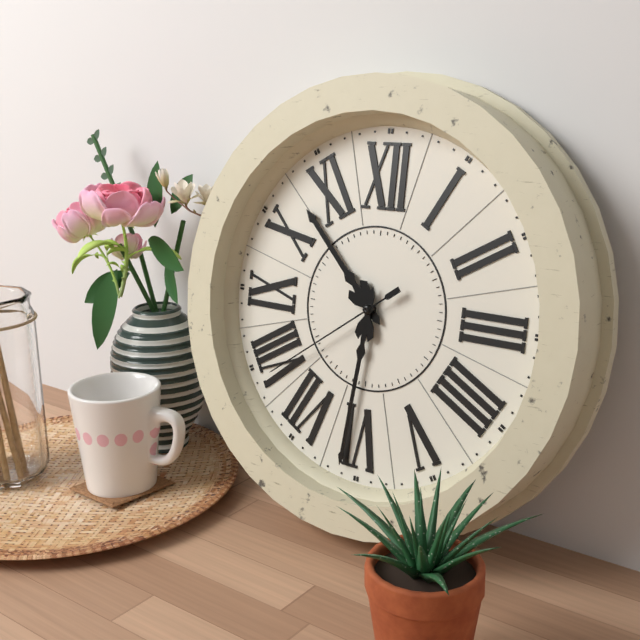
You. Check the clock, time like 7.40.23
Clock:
10.31.39
